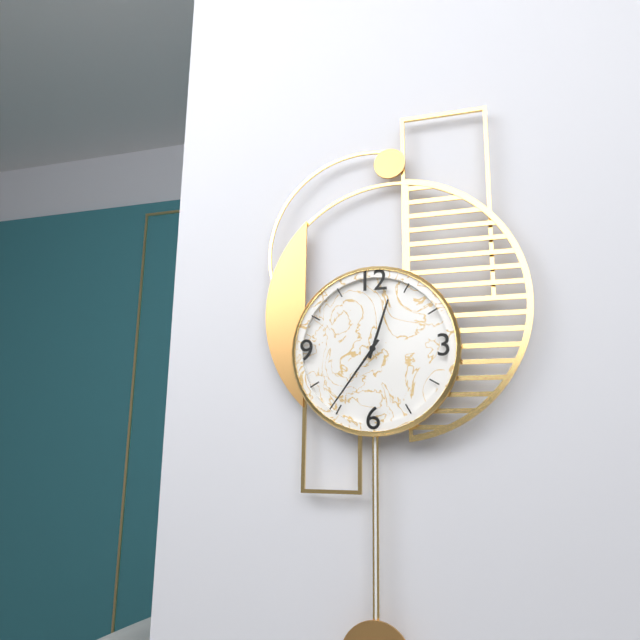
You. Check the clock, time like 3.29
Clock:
12.36
